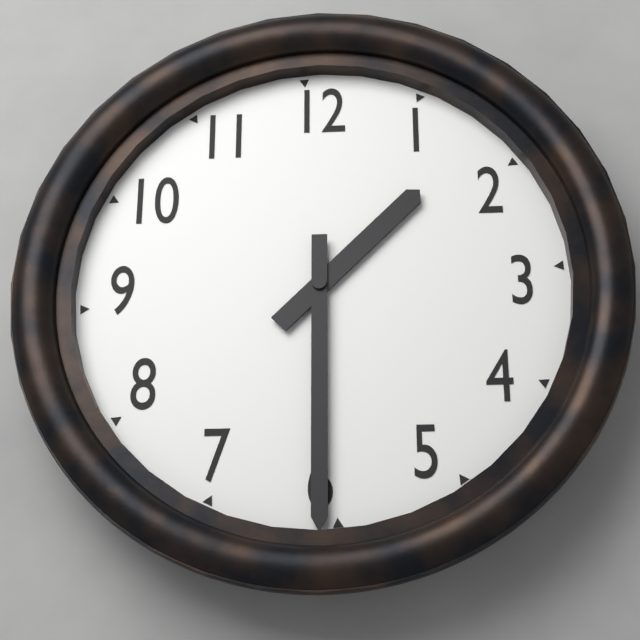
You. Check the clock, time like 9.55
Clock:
1.30
